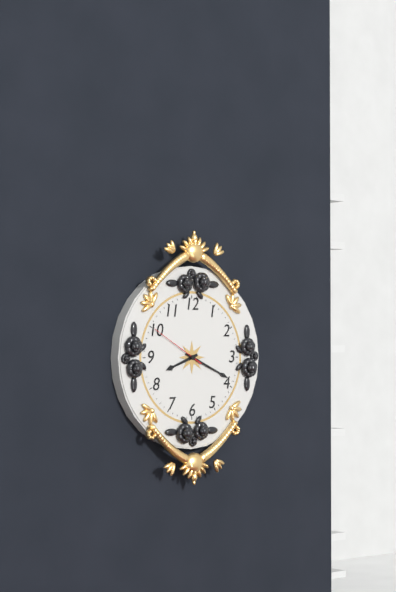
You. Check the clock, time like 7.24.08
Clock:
8.19.50
